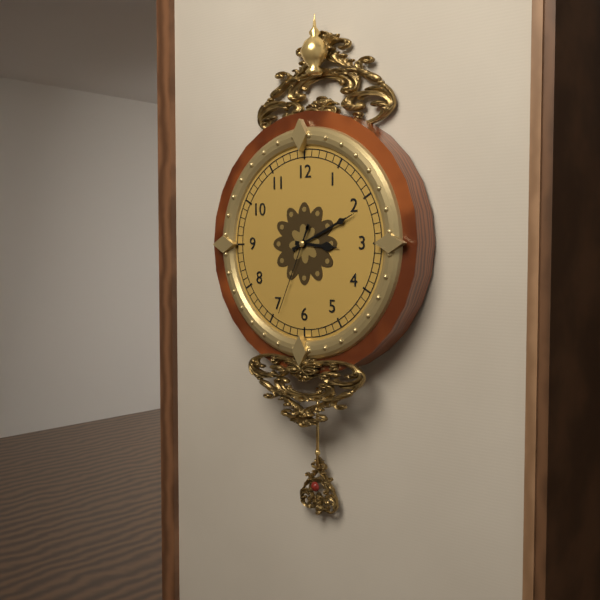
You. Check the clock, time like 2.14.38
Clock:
3.11.34
